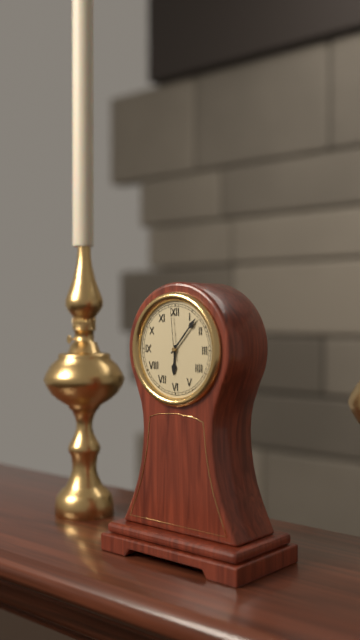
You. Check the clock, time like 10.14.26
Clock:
6.07.59
